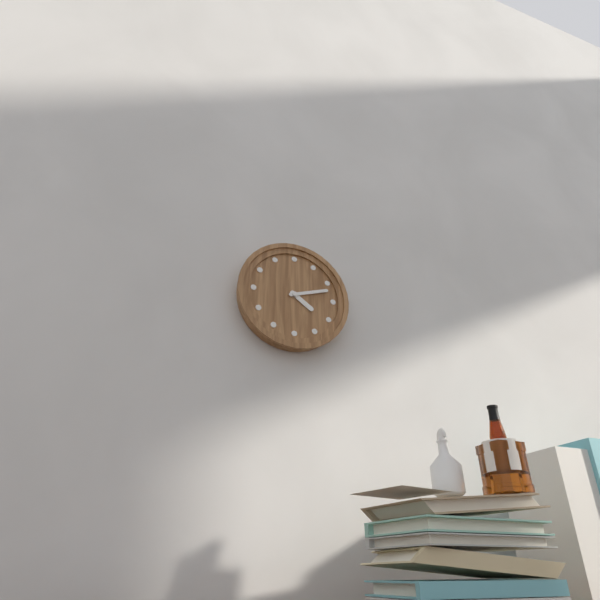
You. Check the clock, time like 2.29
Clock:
4.12
